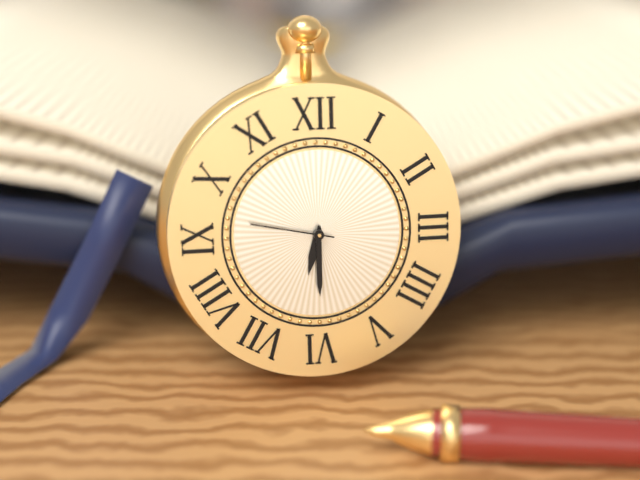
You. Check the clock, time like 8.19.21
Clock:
6.30.47
